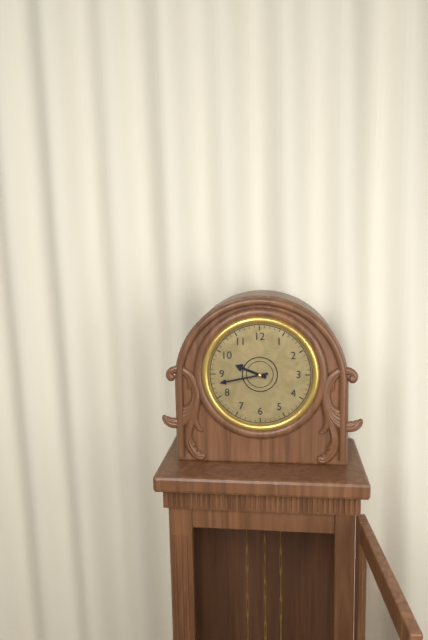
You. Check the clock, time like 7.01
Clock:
9.43
